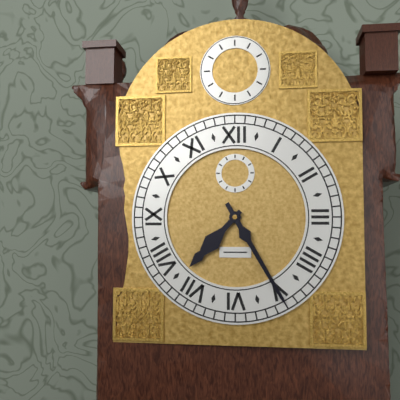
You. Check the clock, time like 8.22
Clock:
7.25
